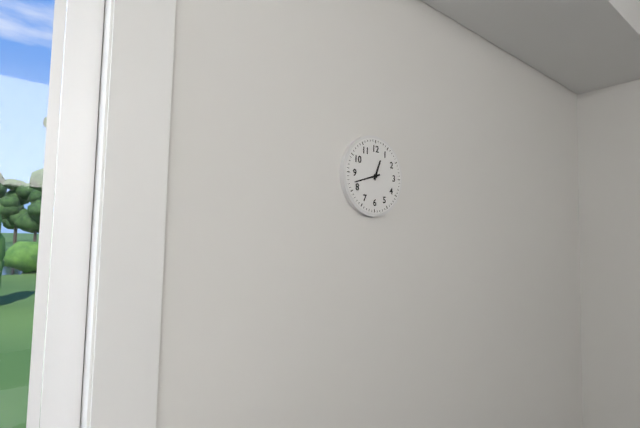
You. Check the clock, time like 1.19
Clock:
12.42
